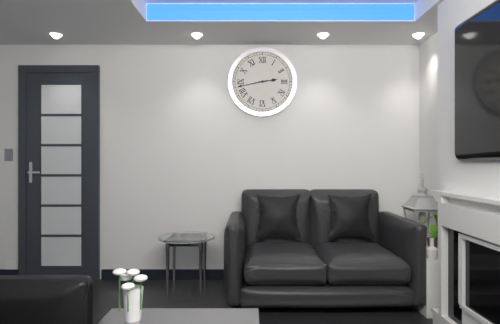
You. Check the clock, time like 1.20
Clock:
2.43
